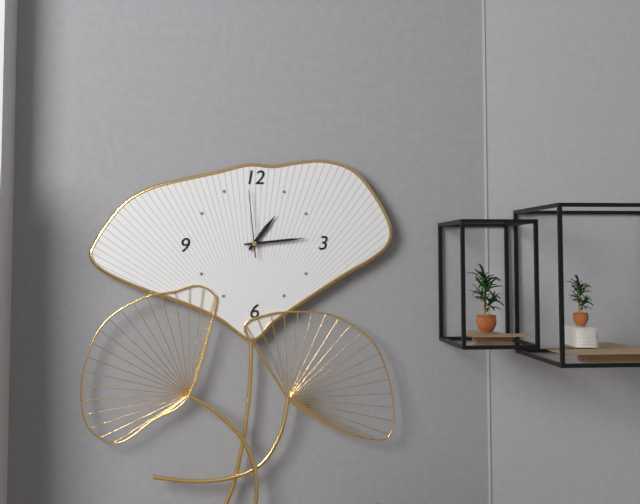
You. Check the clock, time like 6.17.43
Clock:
1.14.59
